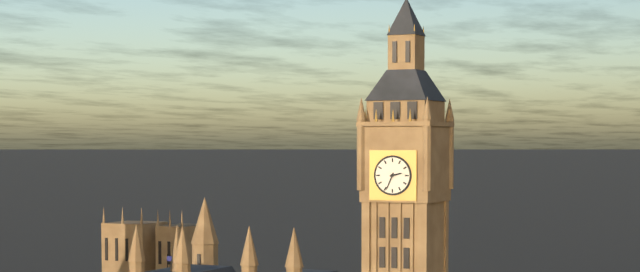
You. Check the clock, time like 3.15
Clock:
2.34
